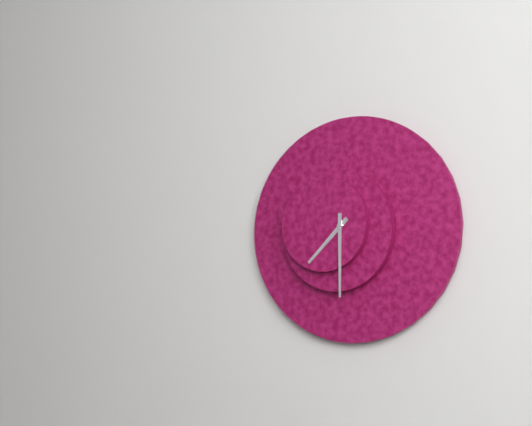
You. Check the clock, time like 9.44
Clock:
7.30
